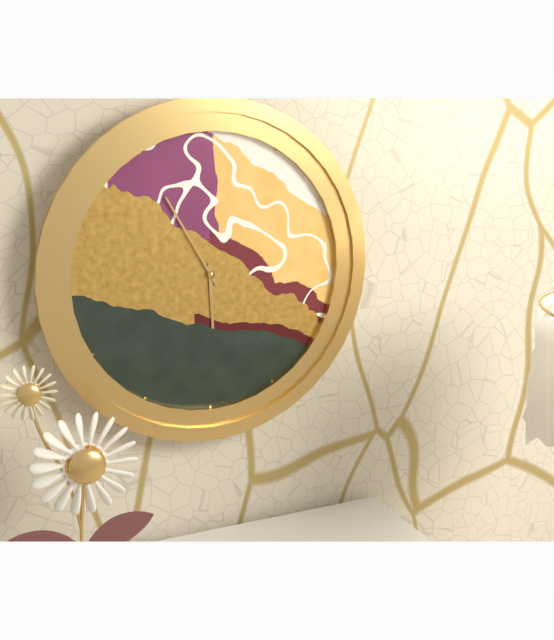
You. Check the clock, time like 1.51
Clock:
5.55
